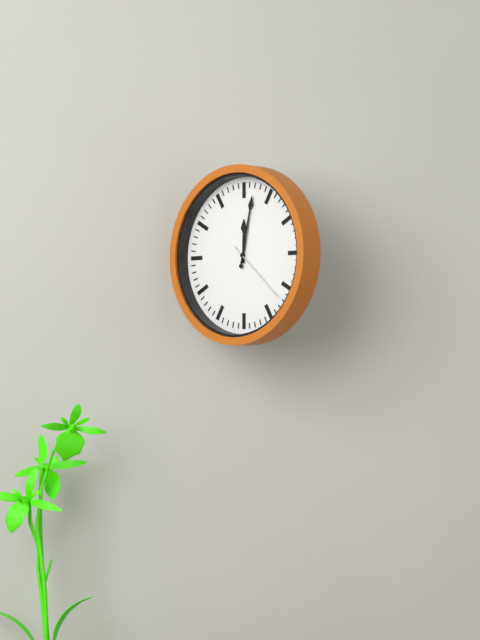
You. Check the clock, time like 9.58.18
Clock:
12.02.22
